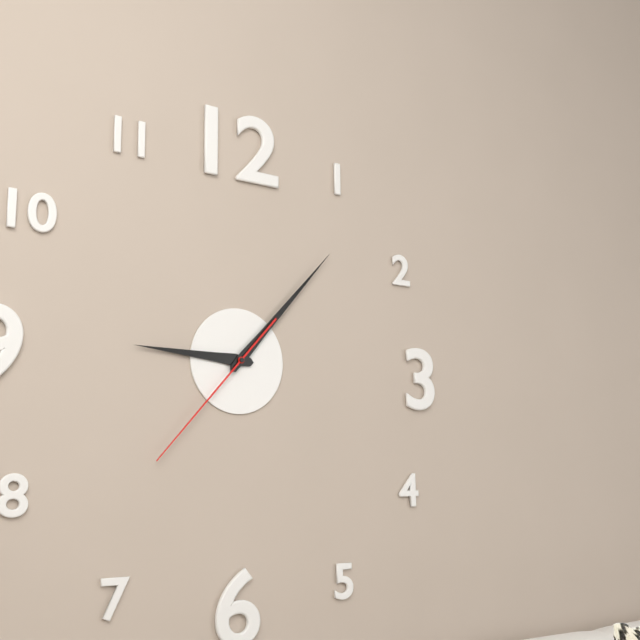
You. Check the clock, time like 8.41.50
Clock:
9.07.37
